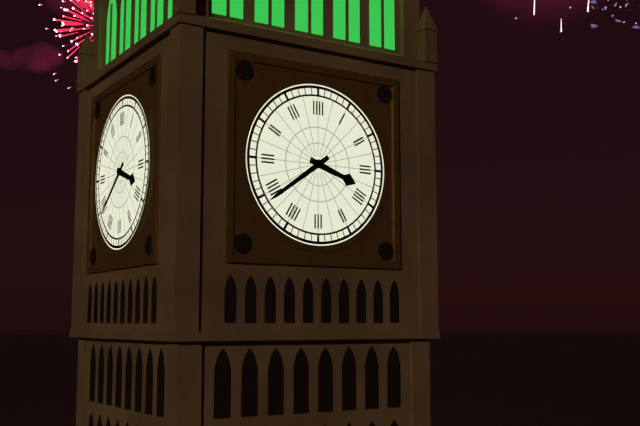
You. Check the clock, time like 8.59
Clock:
3.39
